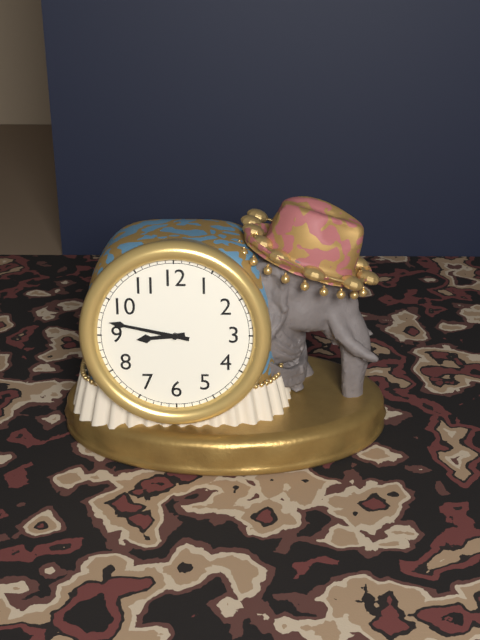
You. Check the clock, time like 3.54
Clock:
8.47
